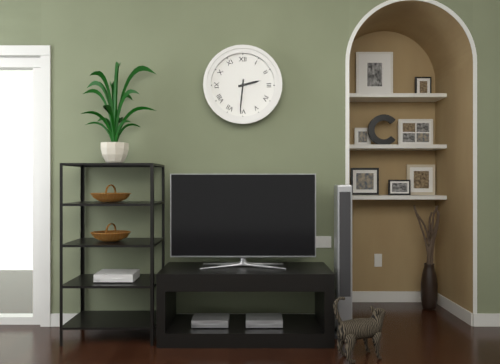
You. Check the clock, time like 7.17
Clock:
2.31
